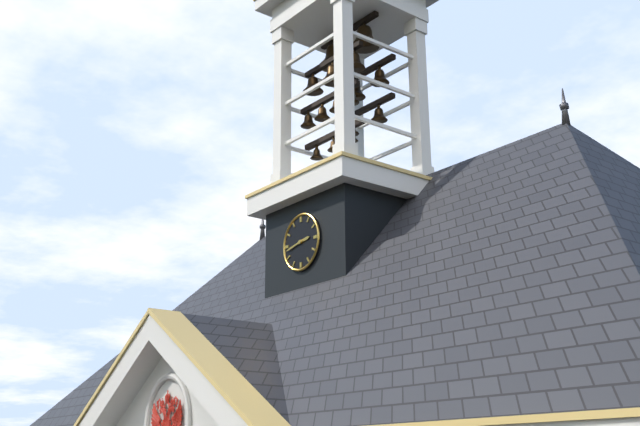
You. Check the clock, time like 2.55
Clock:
2.43
